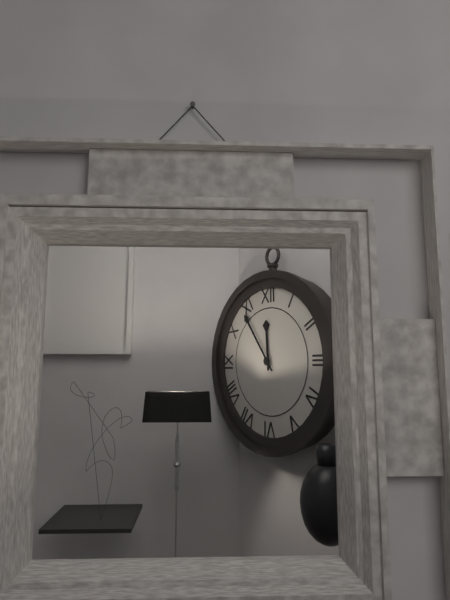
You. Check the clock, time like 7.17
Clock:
11.54
